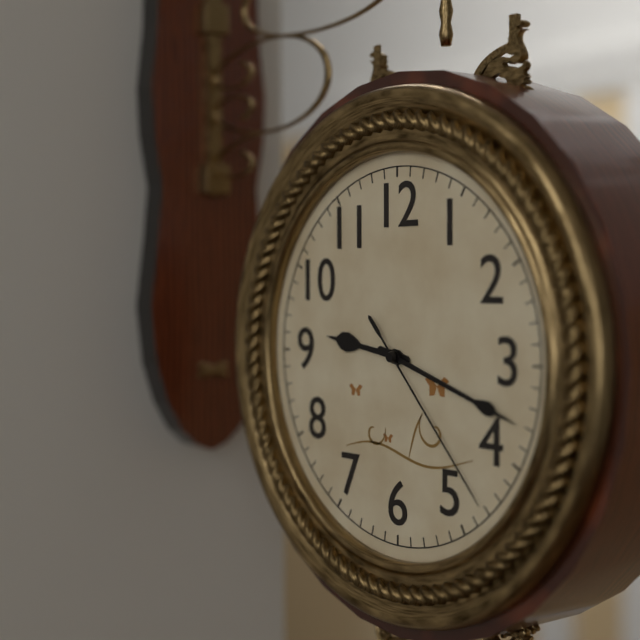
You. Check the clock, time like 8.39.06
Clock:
9.18.23
